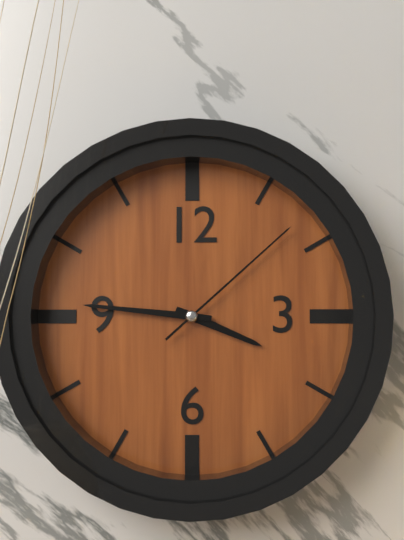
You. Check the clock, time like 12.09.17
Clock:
3.46.08
